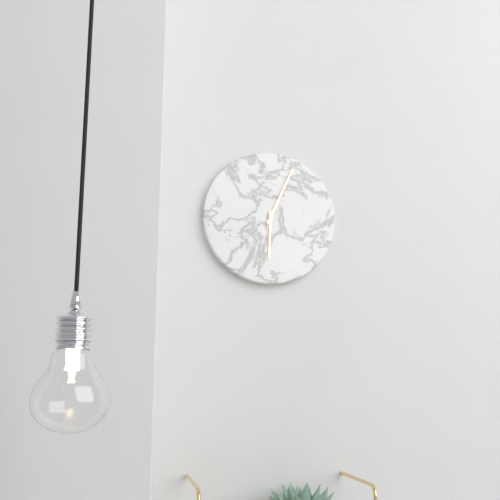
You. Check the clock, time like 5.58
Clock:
6.04
